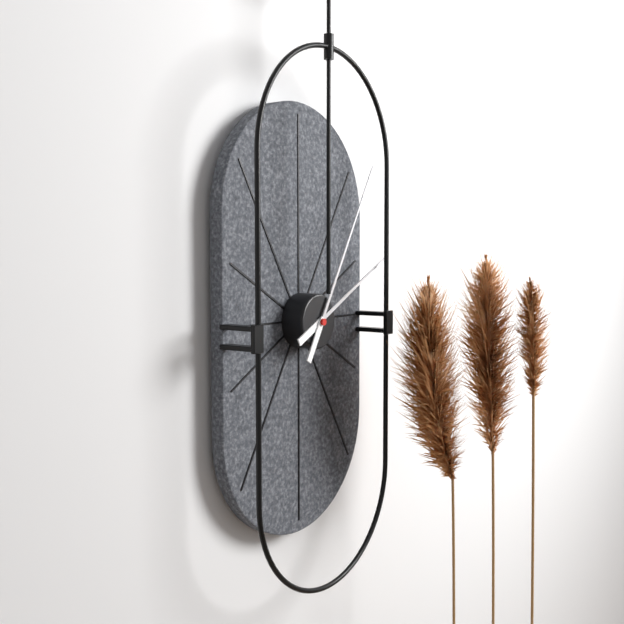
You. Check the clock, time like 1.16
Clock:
2.05
